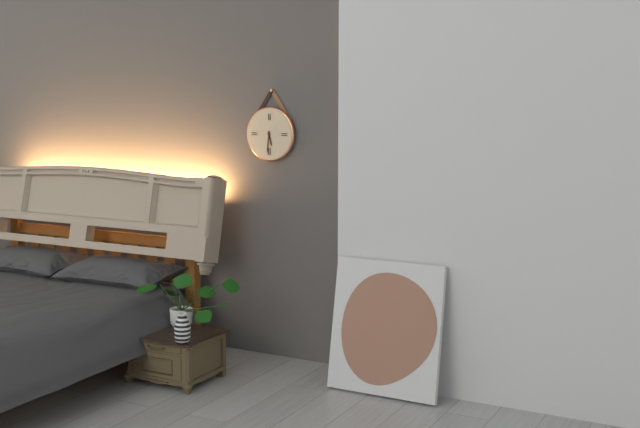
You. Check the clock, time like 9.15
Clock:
5.31
